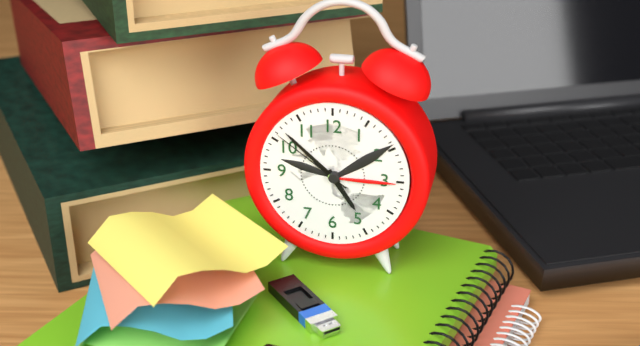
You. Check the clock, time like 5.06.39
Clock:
4.52.51
